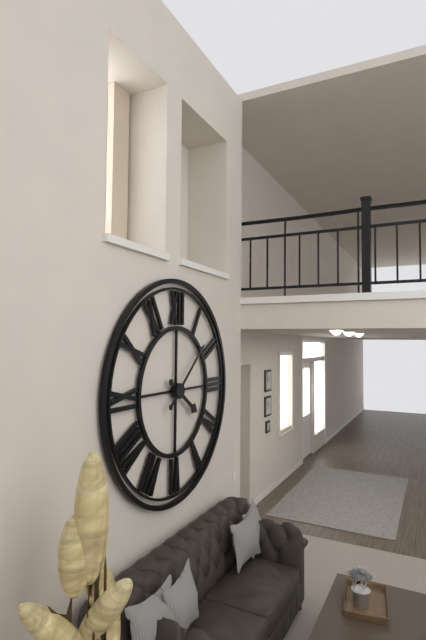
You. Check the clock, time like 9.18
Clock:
4.08
